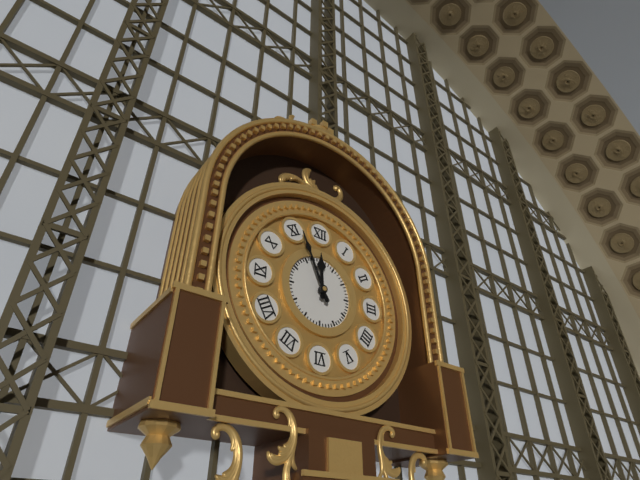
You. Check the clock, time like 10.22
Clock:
11.56
